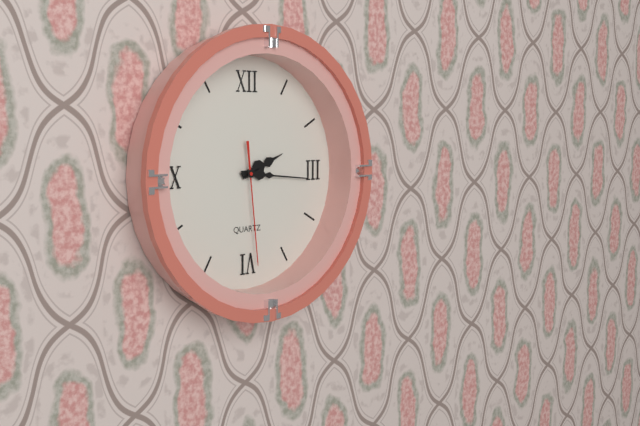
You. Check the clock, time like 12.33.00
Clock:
2.16.29
